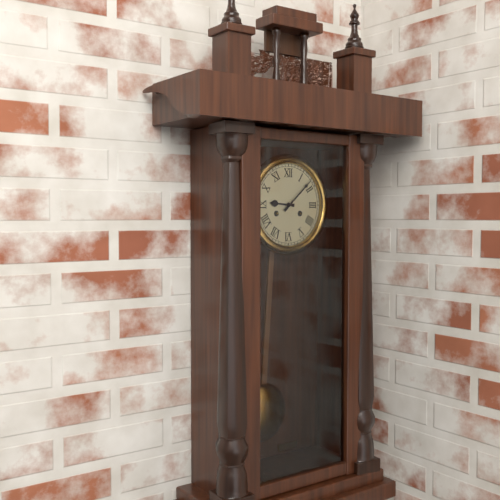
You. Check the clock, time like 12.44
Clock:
9.08
